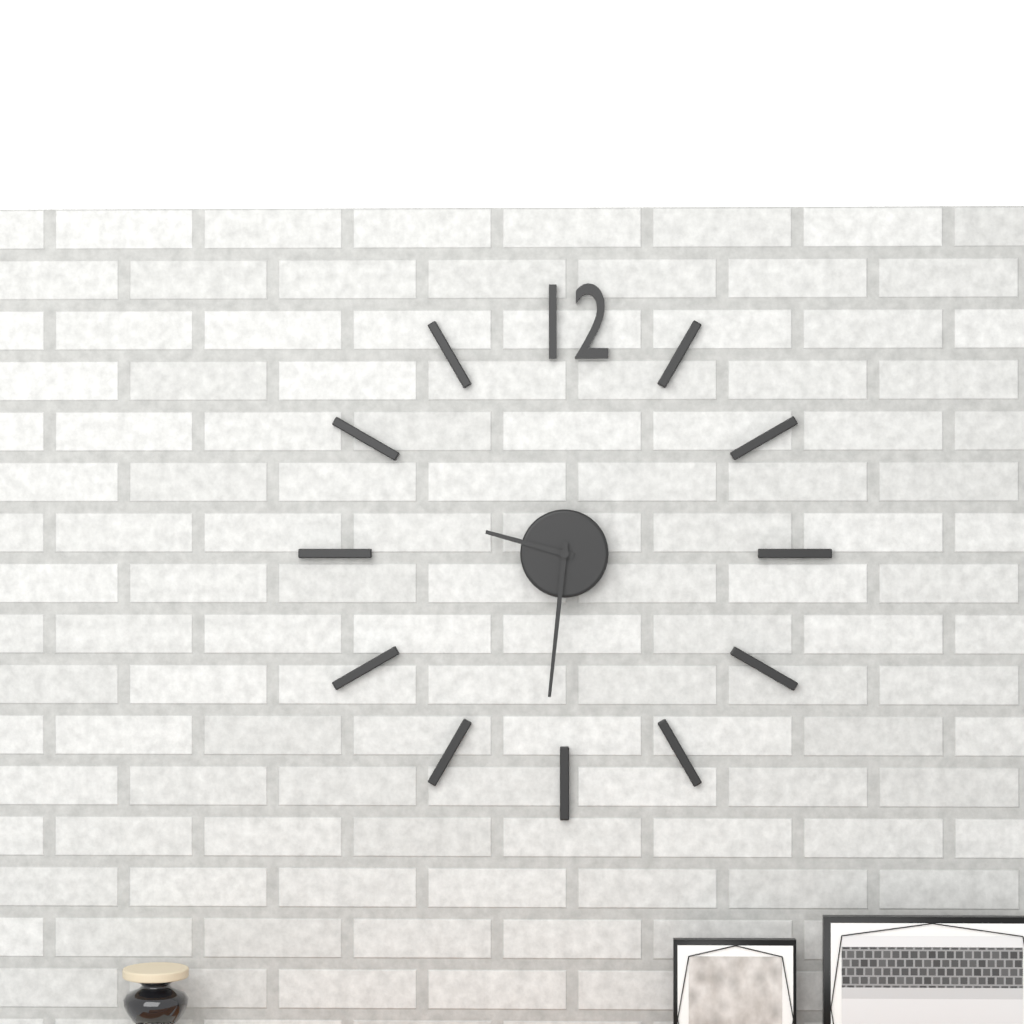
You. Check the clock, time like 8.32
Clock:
9.31
